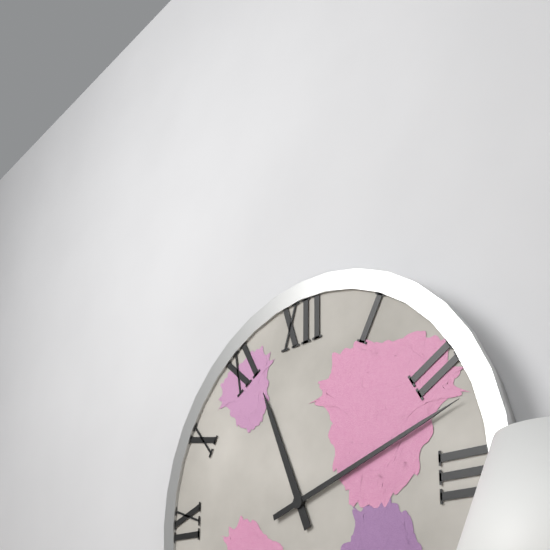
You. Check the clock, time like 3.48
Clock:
11.12
